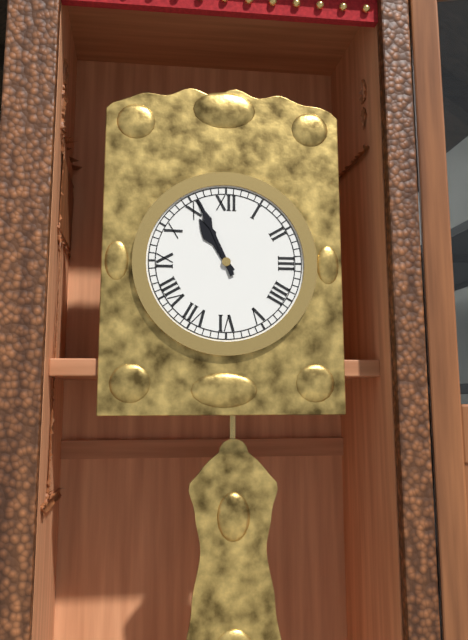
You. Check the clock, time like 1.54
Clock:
10.56
